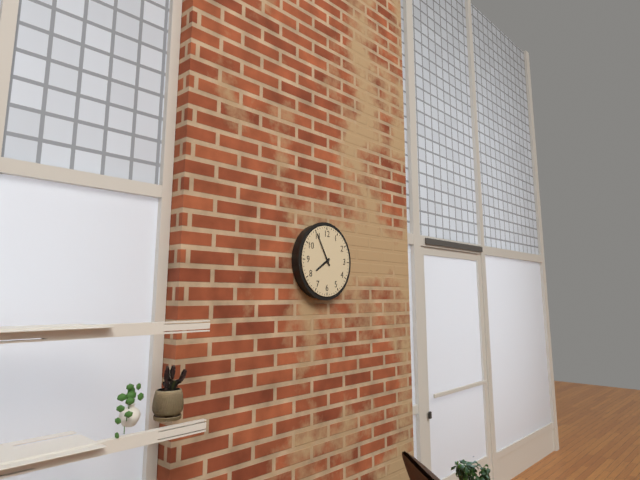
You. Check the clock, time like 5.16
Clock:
7.55
